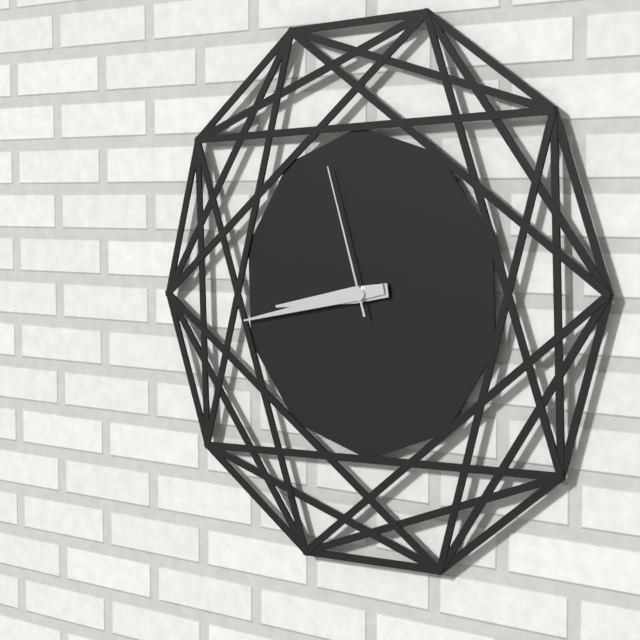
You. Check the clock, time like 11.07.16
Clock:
8.43.57
